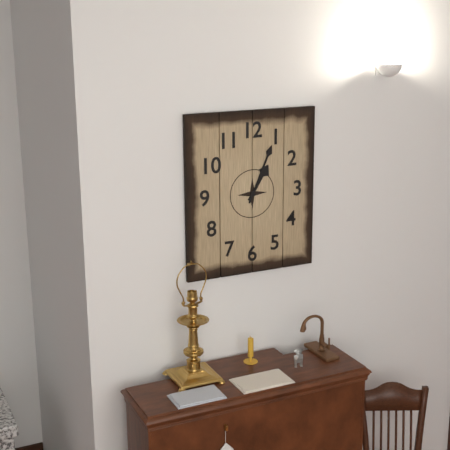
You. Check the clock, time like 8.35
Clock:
1.04
